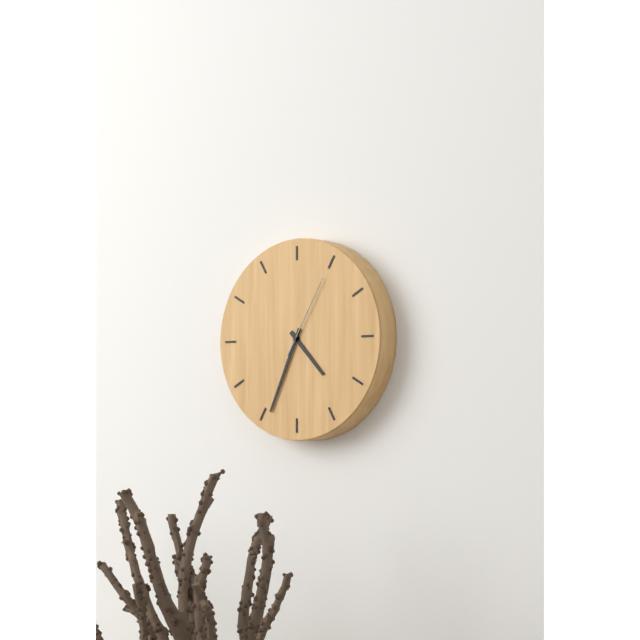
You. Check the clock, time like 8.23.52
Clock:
4.34.05
